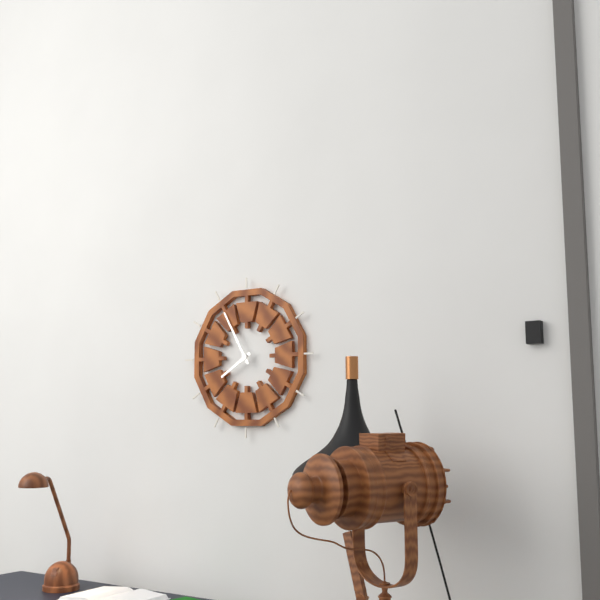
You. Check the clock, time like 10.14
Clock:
7.55
